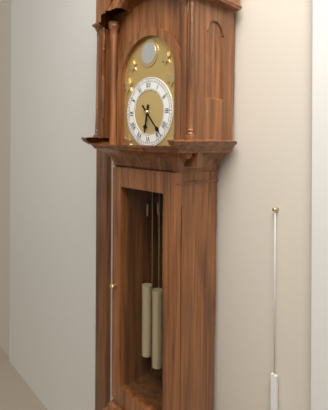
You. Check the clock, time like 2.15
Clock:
6.23
